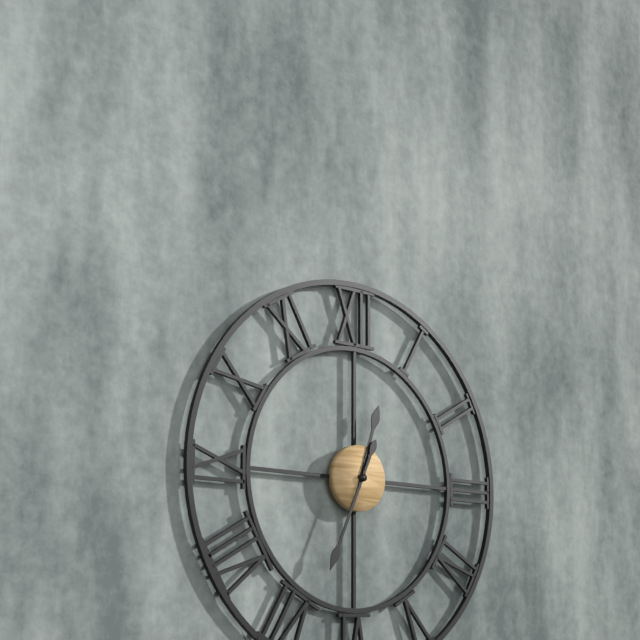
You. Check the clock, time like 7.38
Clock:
12.34
